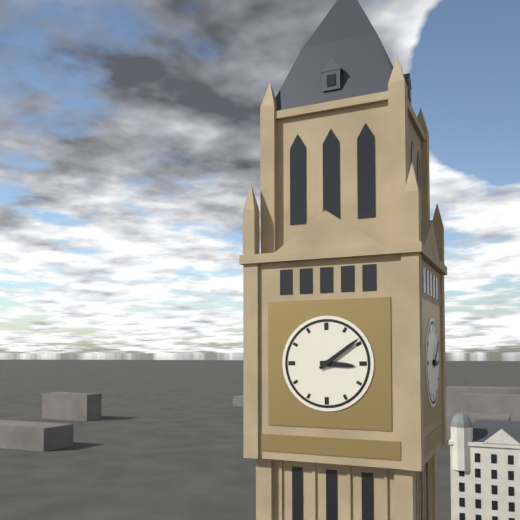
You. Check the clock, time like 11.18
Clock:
3.09
